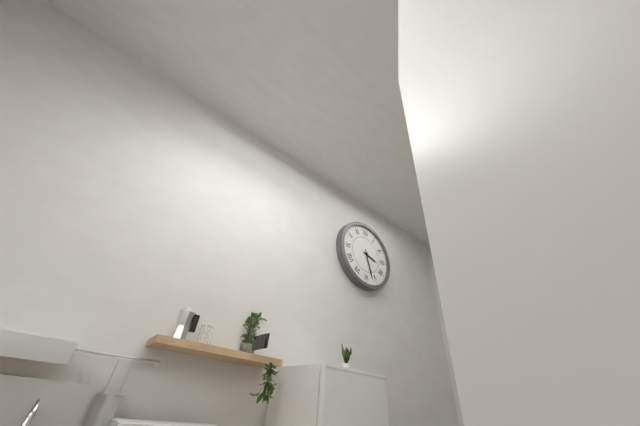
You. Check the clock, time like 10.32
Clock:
3.27
